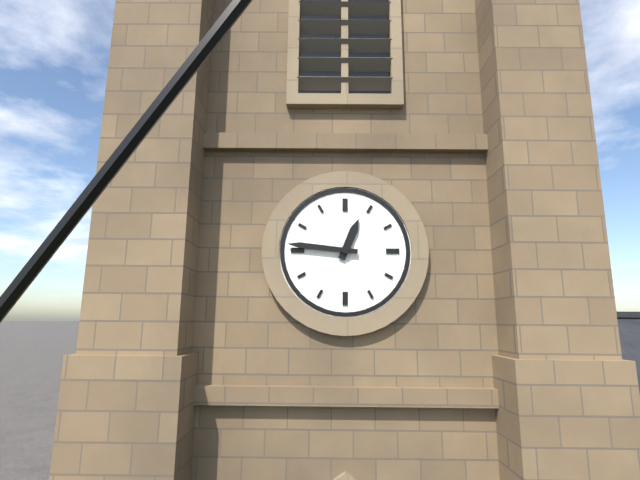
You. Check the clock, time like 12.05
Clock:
12.46
